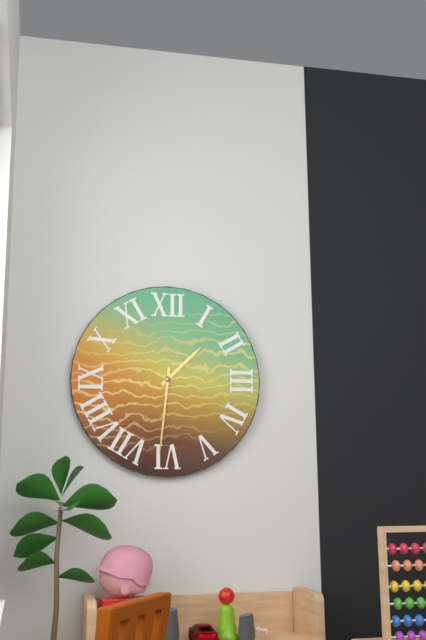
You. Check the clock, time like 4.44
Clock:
1.31
